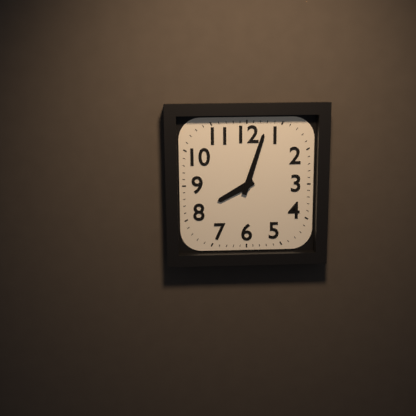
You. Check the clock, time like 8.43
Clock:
8.03
